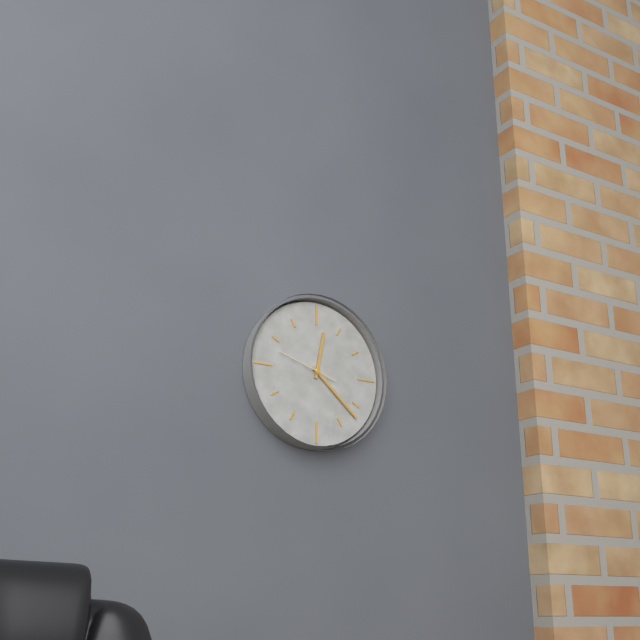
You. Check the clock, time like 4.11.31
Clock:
12.22.48
